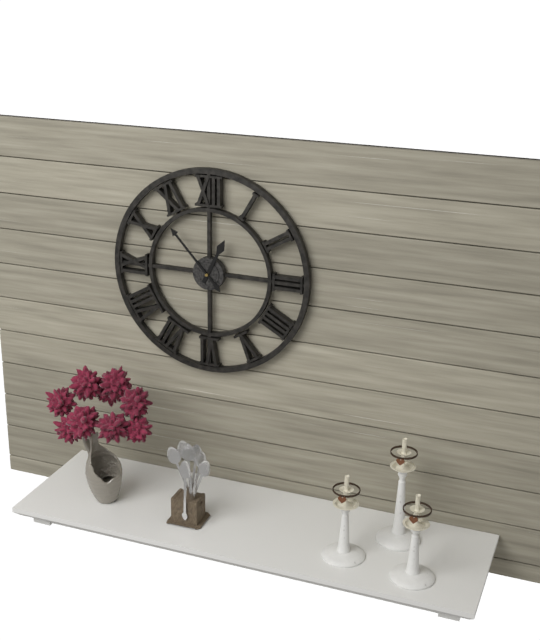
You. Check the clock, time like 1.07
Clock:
12.53
